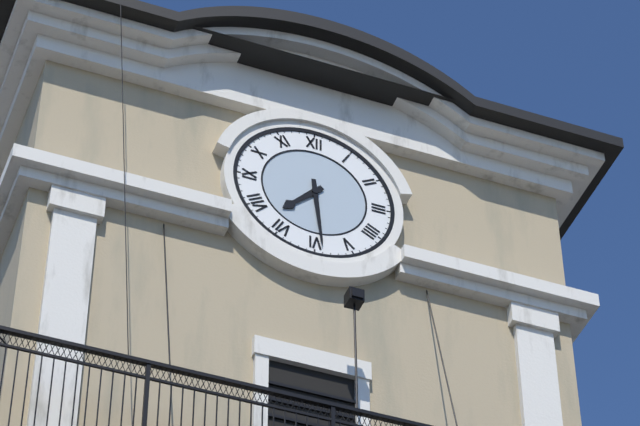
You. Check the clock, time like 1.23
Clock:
7.29
